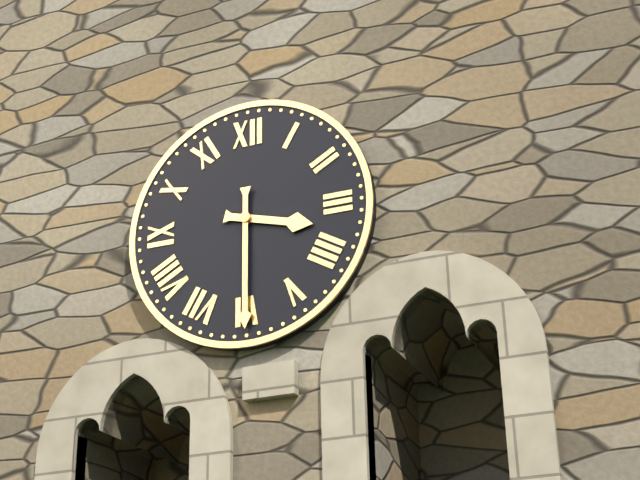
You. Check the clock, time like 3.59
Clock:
3.30
